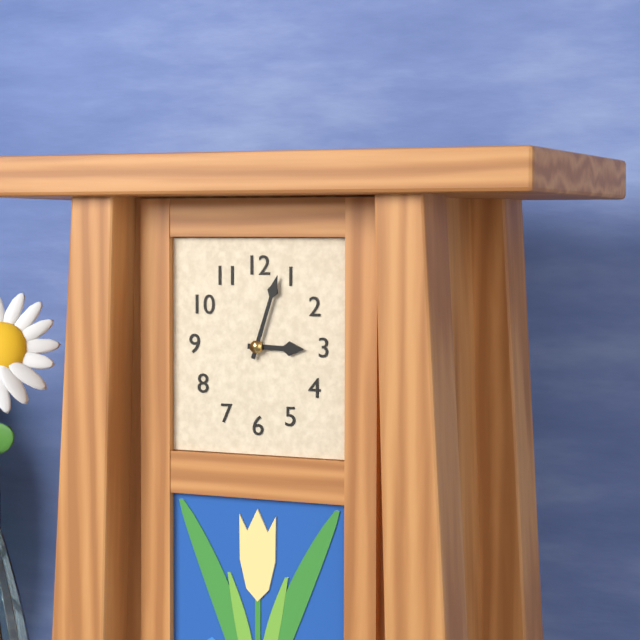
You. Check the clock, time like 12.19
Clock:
3.03
